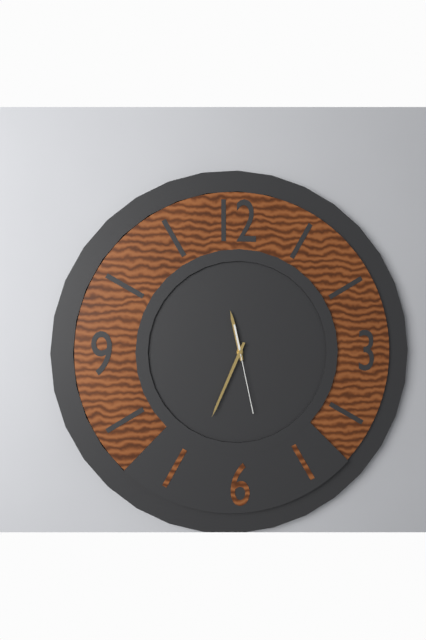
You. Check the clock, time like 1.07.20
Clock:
11.34.28
